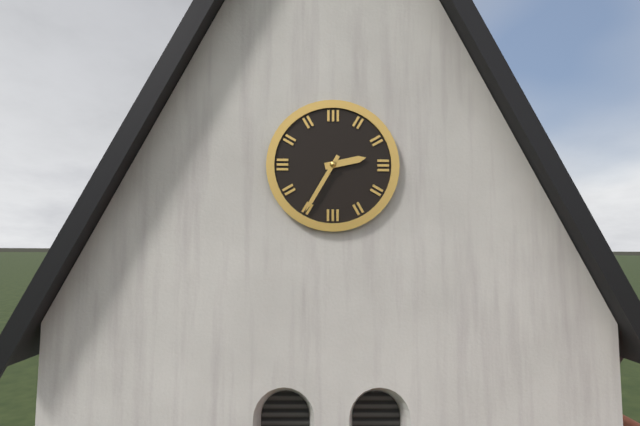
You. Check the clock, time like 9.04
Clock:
2.35
